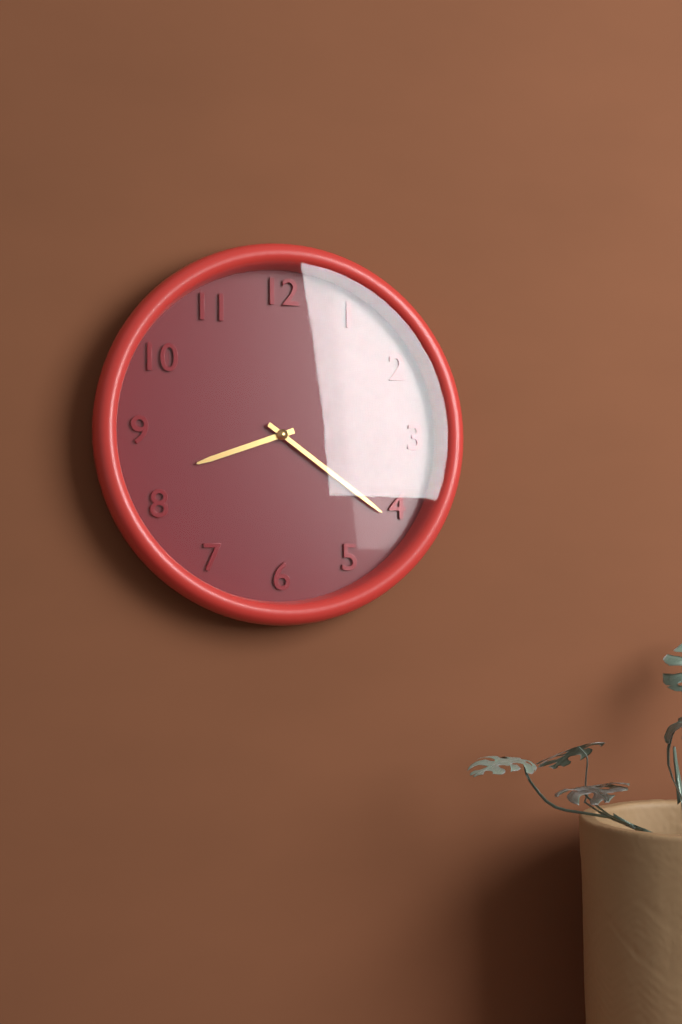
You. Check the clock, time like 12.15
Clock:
8.21
